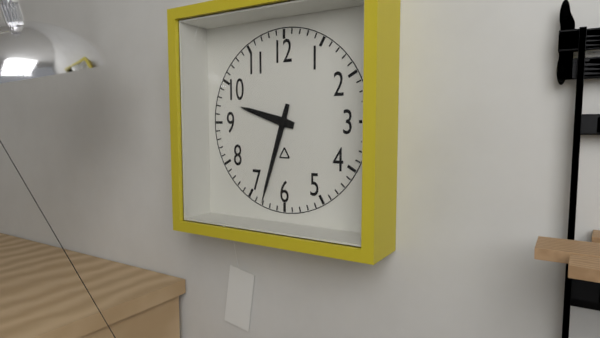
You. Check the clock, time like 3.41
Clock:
9.33
